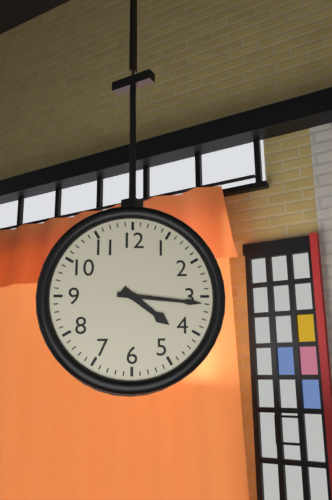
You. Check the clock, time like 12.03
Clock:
4.16
